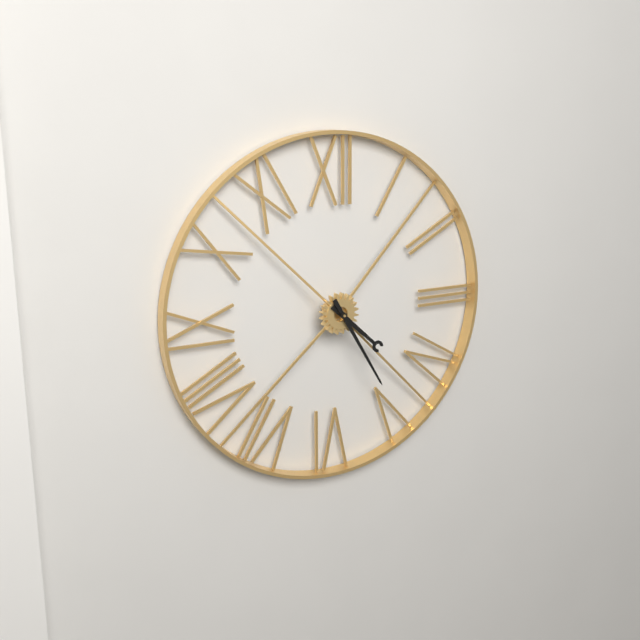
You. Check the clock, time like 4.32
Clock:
4.25
